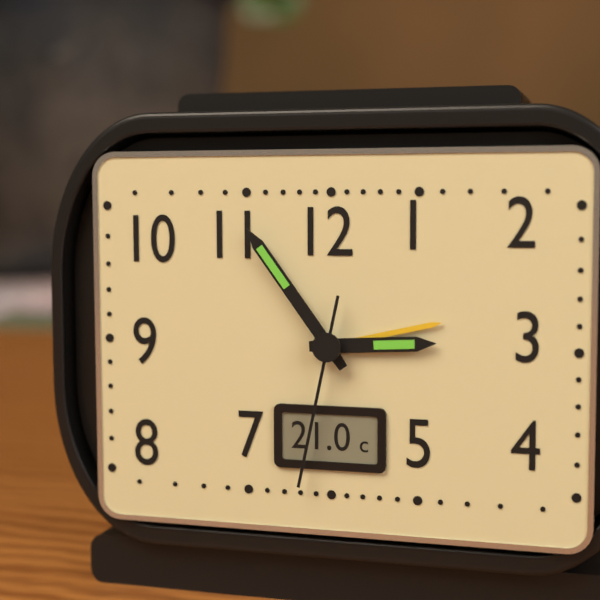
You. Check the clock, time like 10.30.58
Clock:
2.54.32
